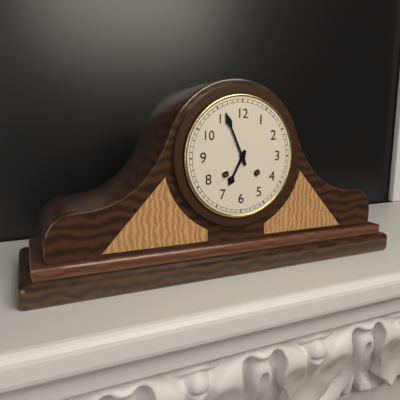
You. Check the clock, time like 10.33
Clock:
6.56
